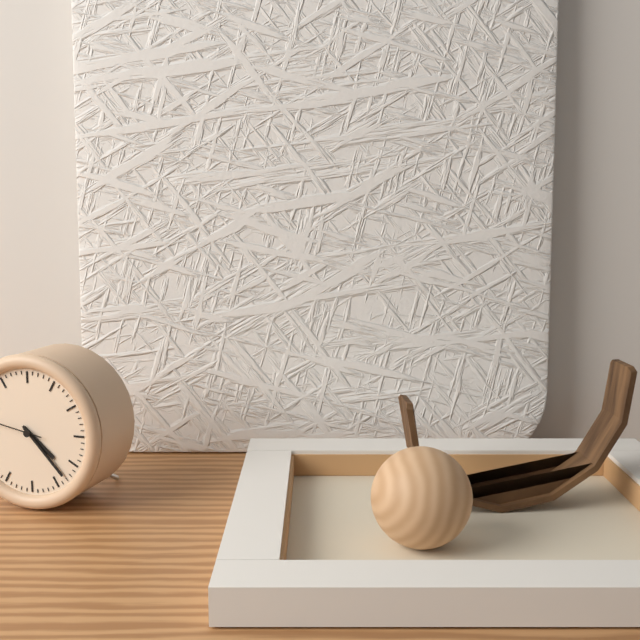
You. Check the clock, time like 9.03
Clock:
4.23
